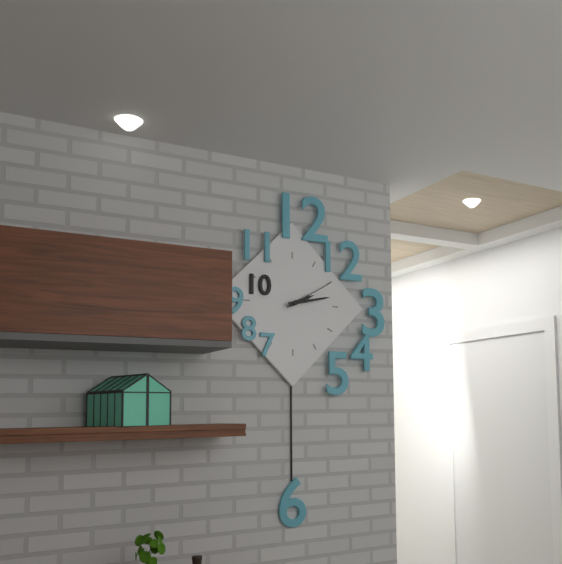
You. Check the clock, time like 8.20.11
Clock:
2.13.10
